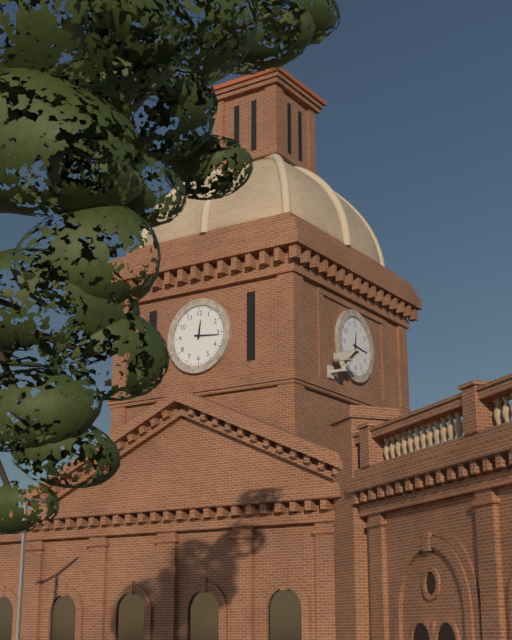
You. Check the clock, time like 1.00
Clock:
12.16
